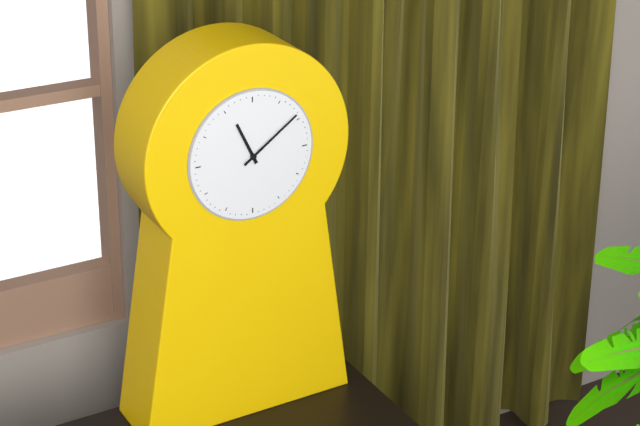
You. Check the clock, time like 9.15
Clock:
11.09
